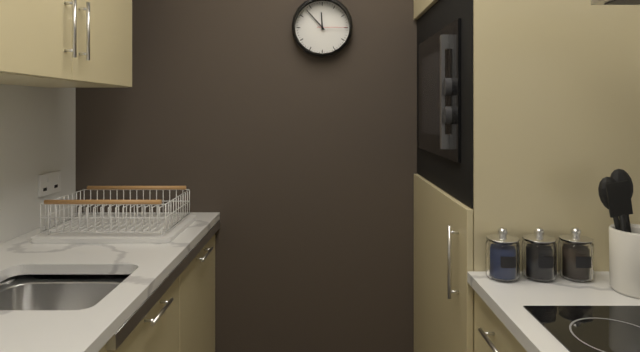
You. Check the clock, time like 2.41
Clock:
11.53
